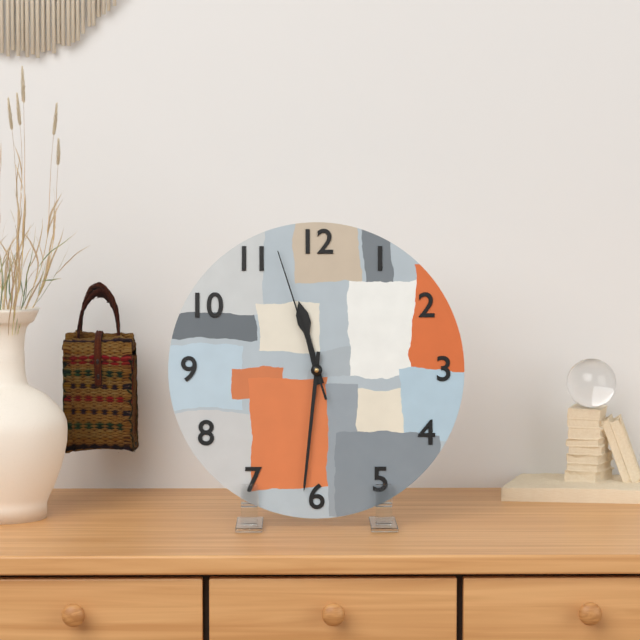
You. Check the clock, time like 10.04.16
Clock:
11.31.57
